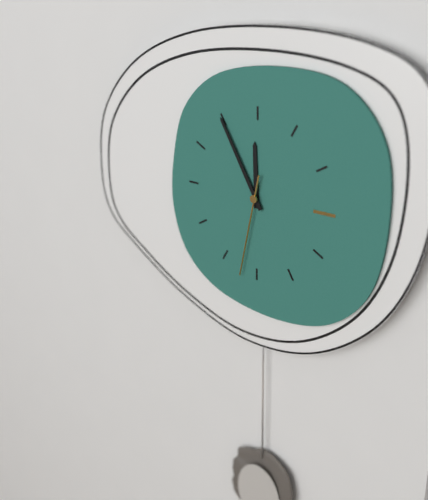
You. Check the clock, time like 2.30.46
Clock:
11.55.32
